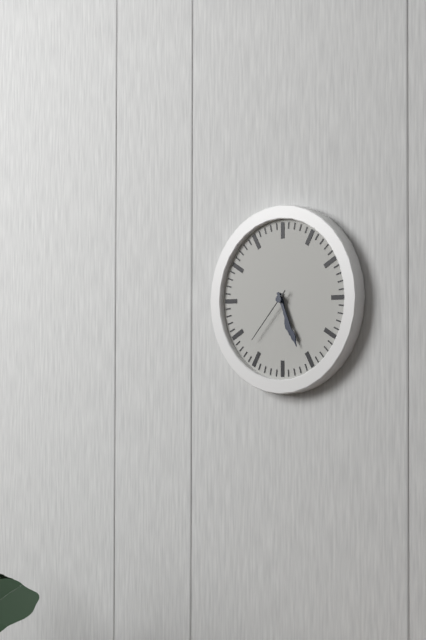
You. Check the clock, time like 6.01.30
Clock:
5.26.37
